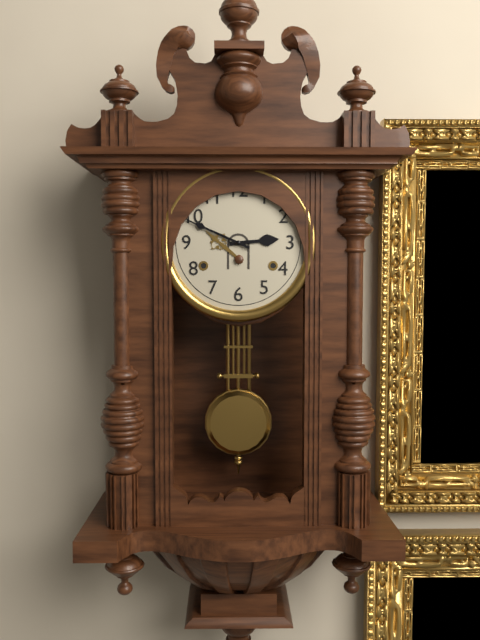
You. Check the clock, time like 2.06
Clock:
2.49
